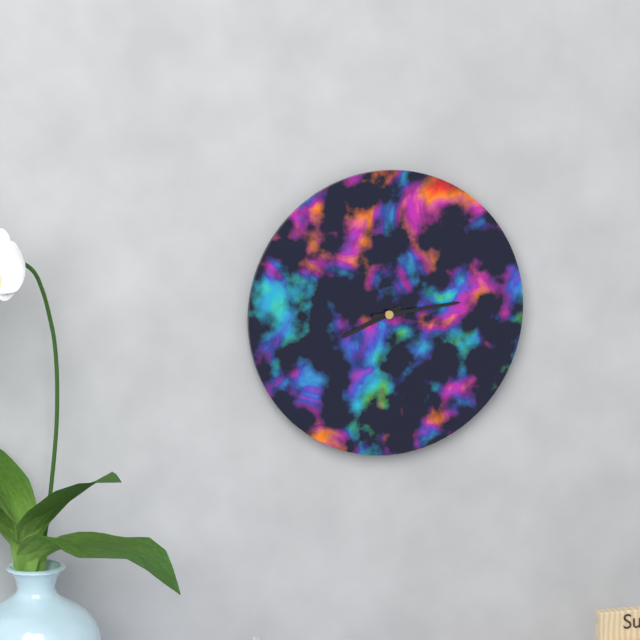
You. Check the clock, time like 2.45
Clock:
8.14
